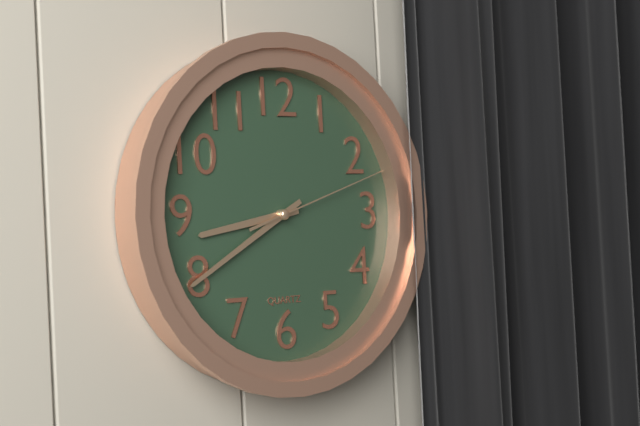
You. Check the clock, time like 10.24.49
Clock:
8.40.12
